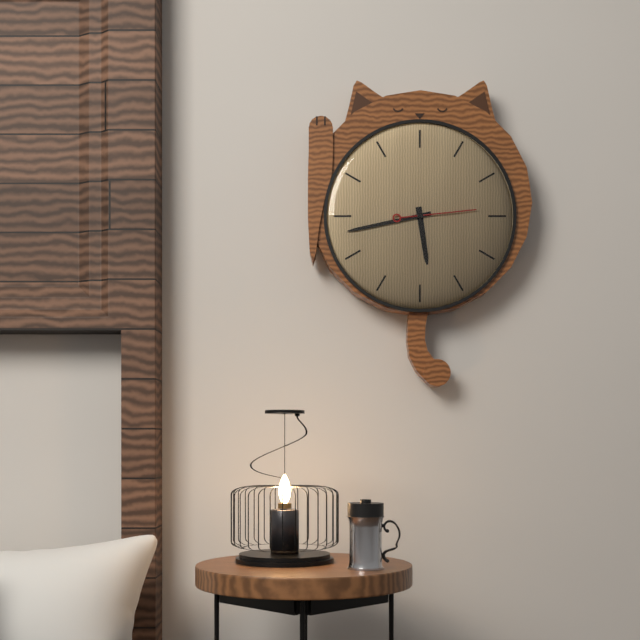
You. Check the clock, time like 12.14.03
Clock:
5.43.14
